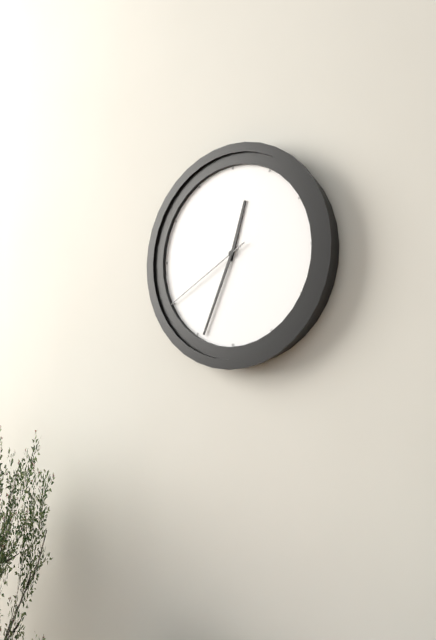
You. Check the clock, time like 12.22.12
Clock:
12.34.40
